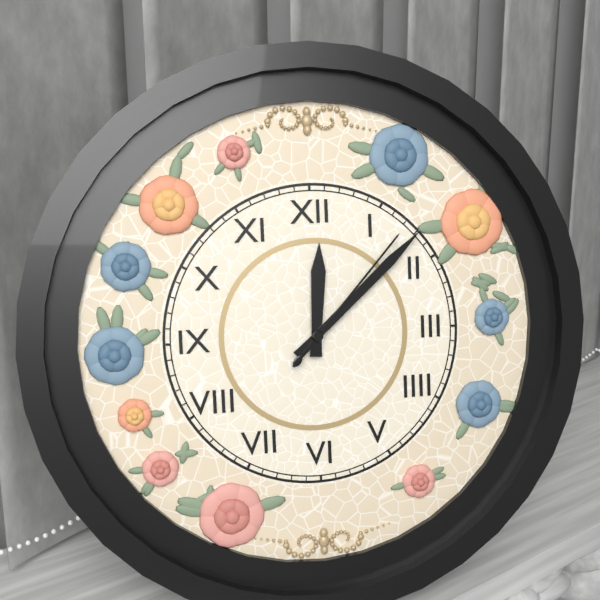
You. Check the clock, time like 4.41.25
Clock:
12.08.07
